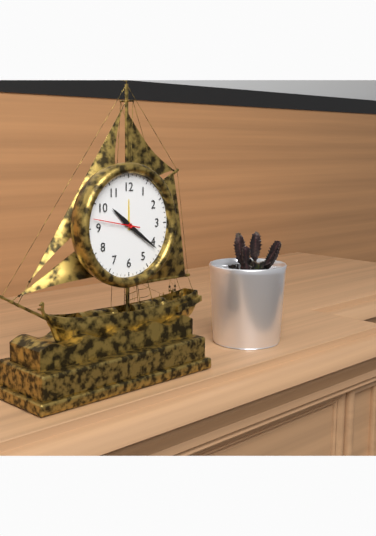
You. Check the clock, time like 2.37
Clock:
10.21
